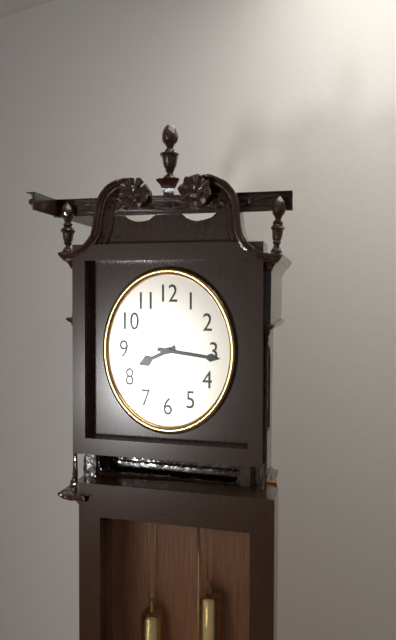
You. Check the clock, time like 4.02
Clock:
8.16
